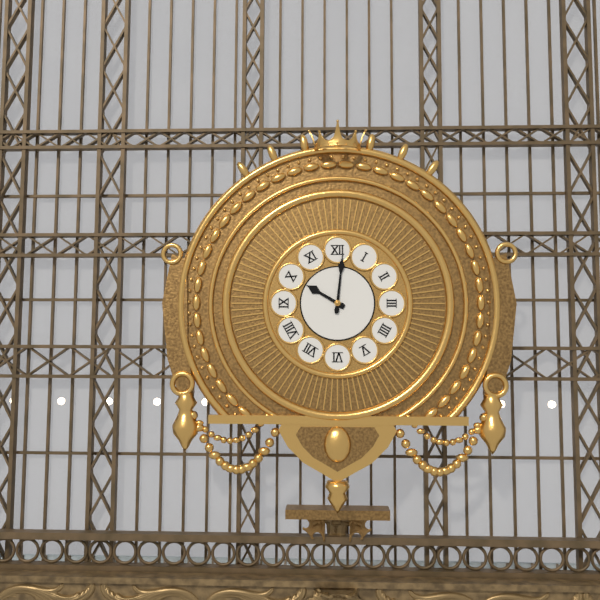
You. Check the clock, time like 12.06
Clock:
10.01
